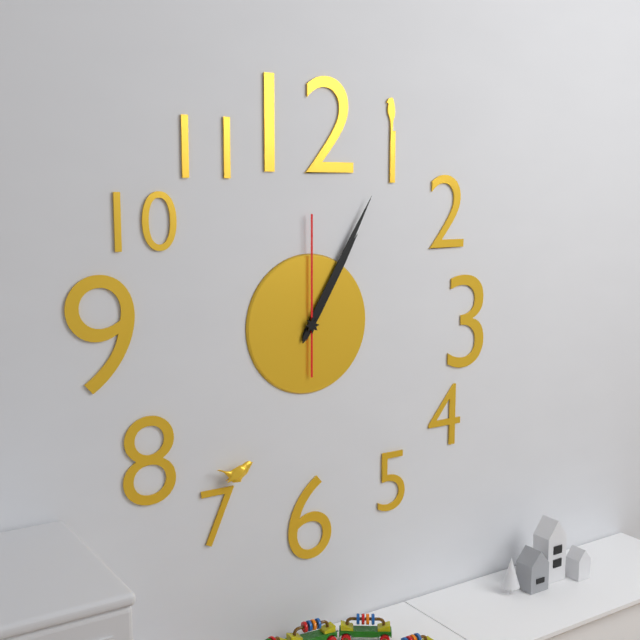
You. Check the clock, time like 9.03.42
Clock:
1.05.00
